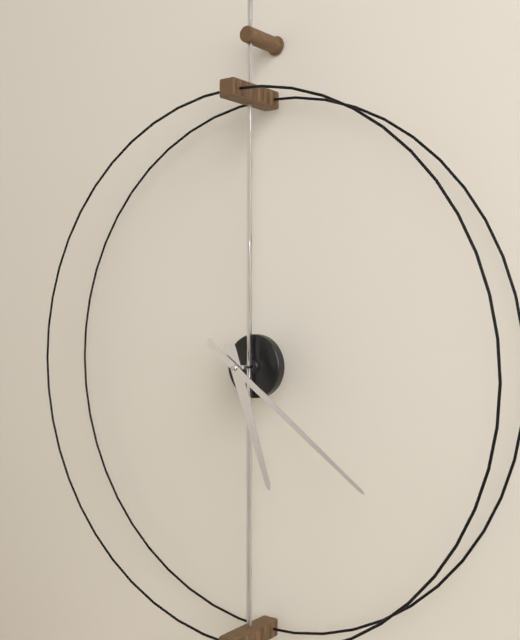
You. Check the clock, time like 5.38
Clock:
5.21
